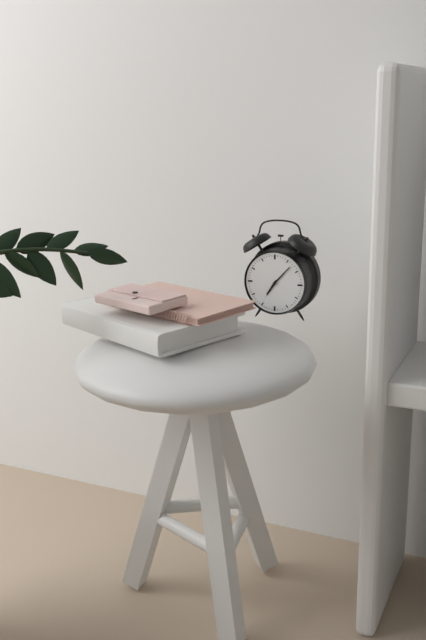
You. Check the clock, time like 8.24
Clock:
7.07
